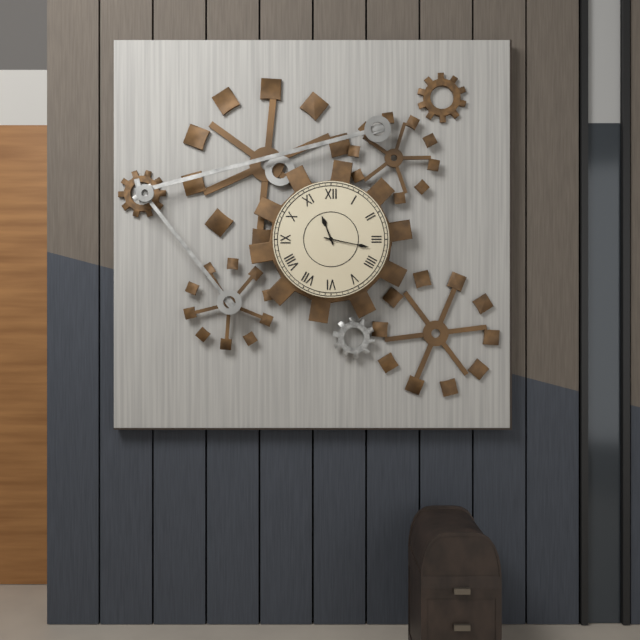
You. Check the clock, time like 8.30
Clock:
11.17
